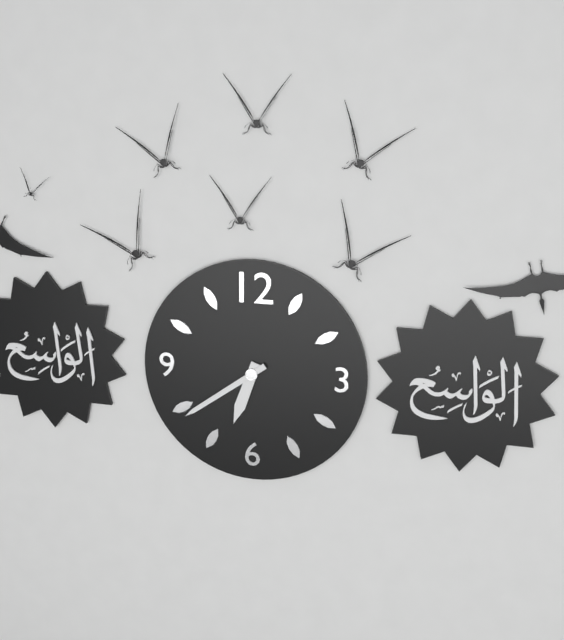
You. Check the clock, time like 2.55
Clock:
6.39
